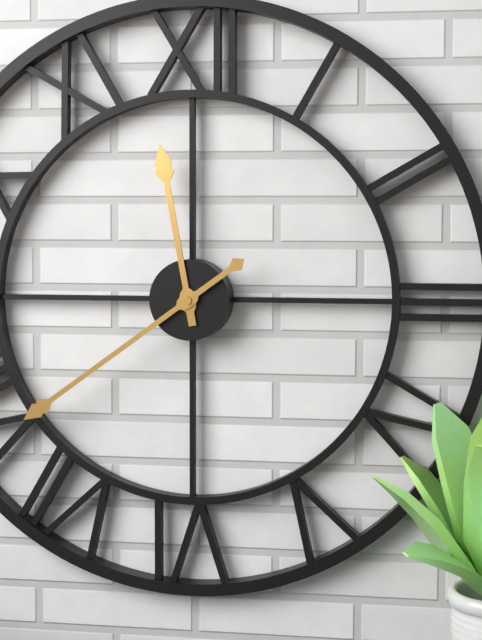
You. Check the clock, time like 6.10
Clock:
11.39
